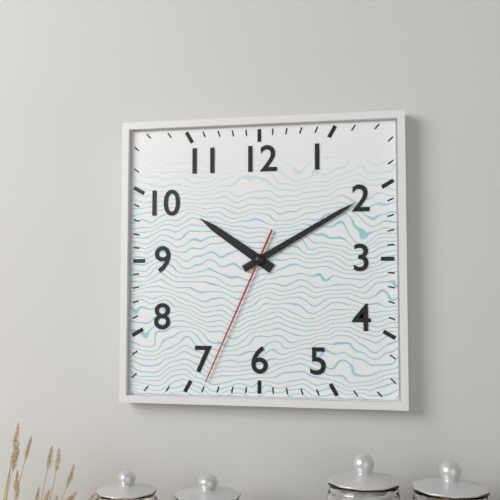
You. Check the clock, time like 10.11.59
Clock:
10.10.34
